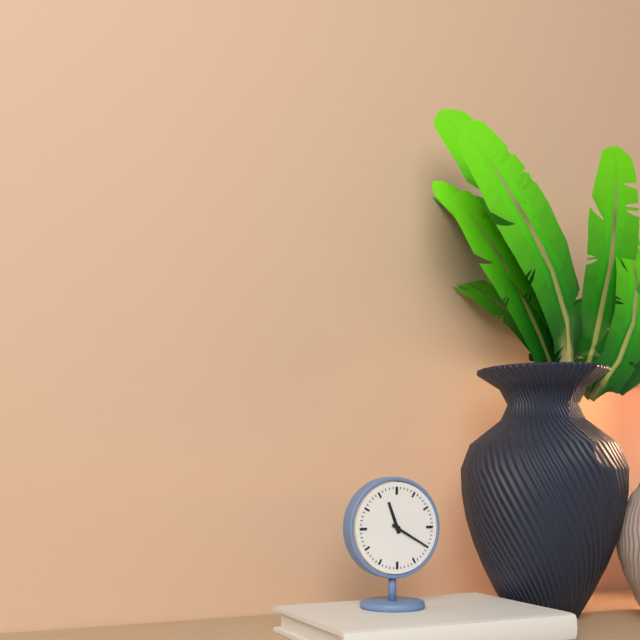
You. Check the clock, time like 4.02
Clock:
11.20
